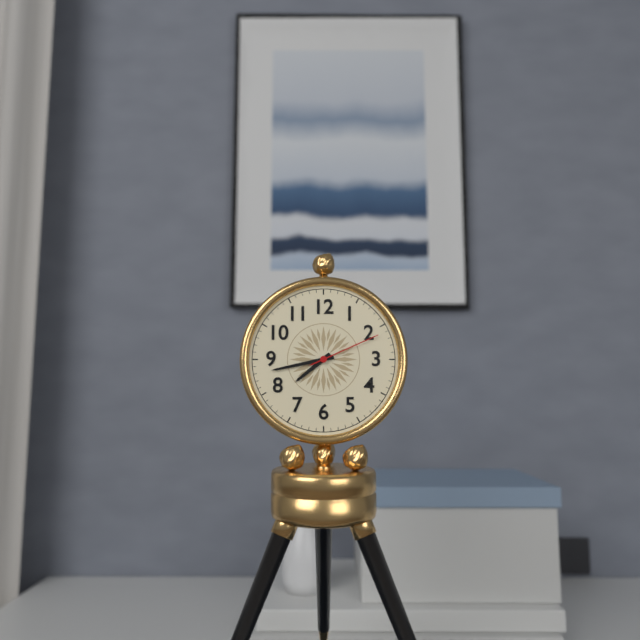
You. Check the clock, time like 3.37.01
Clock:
7.43.11
